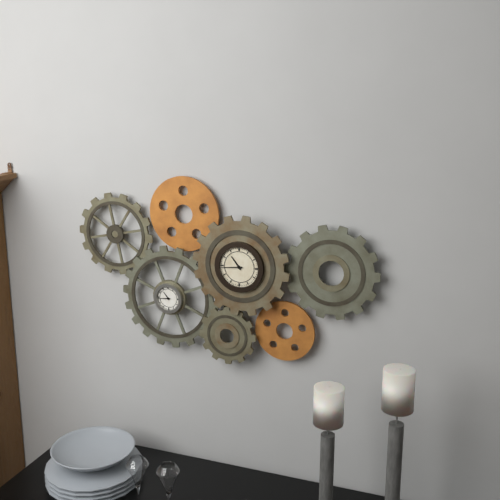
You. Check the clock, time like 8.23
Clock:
10.44
